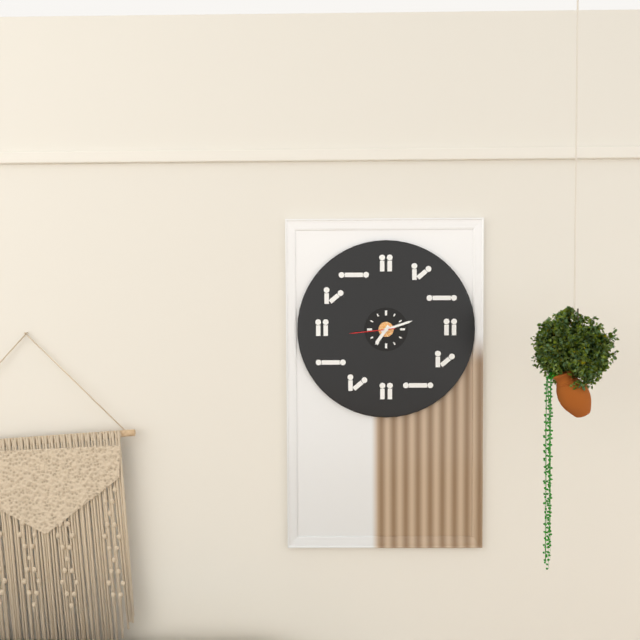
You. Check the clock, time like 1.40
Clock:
7.12
